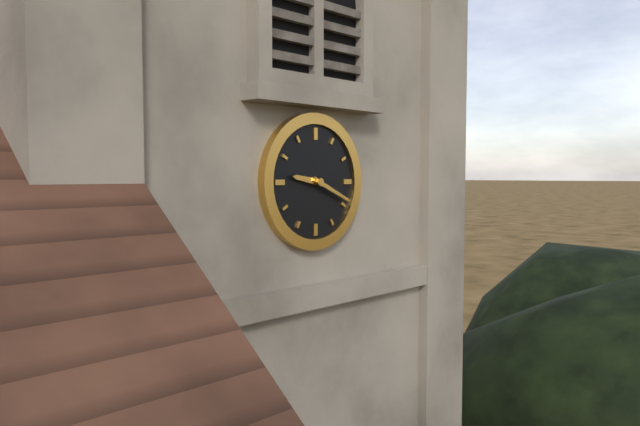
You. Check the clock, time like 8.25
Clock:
9.19
